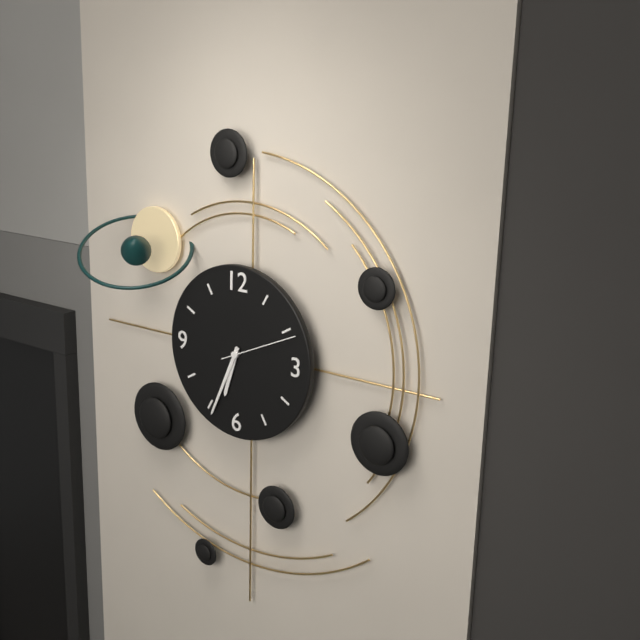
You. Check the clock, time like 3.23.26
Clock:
6.34.11
